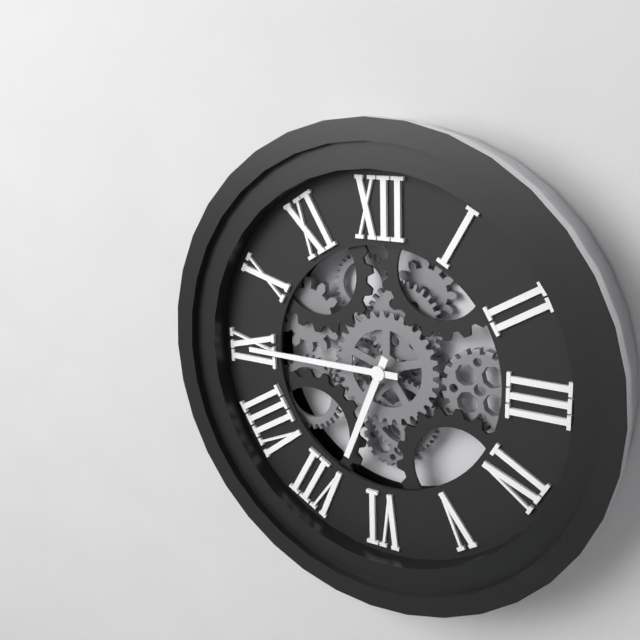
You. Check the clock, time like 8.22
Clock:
6.45
